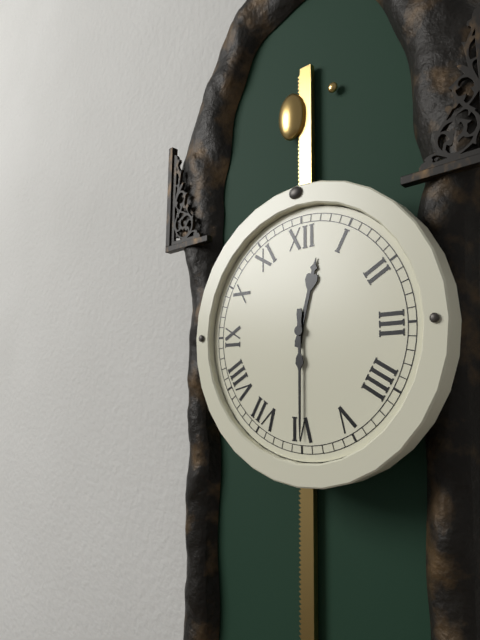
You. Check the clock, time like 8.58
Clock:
12.30
